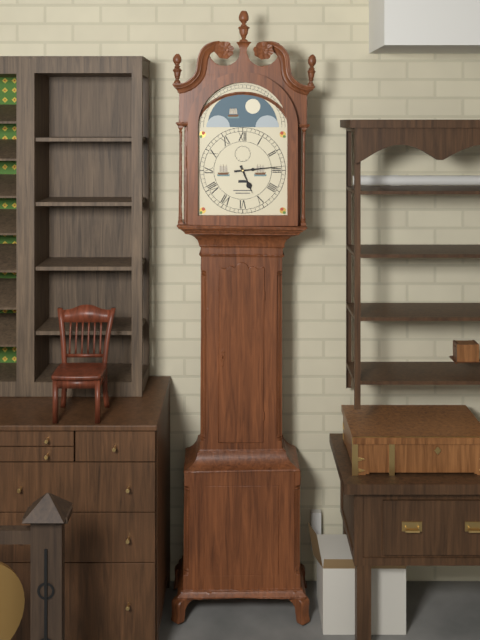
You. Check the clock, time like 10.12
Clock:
5.14
